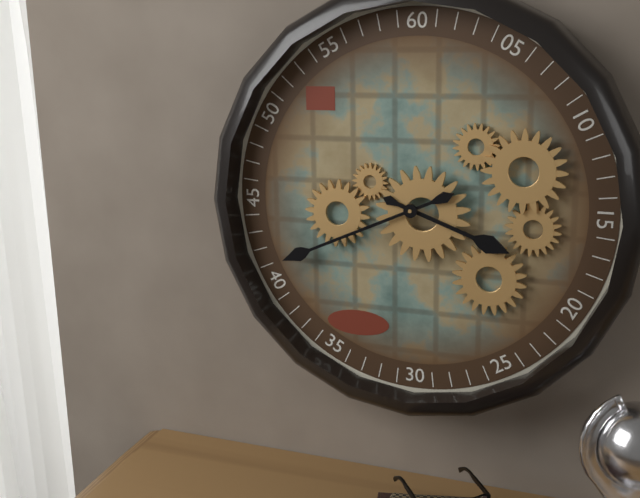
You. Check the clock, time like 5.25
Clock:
3.41
